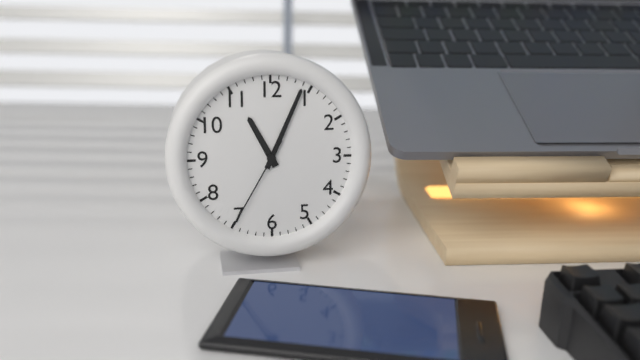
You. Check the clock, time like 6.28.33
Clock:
11.04.35
